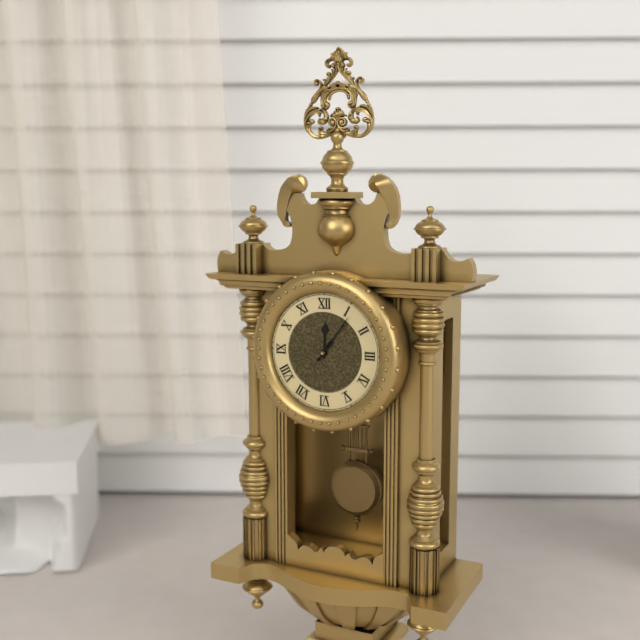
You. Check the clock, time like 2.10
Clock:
12.06
